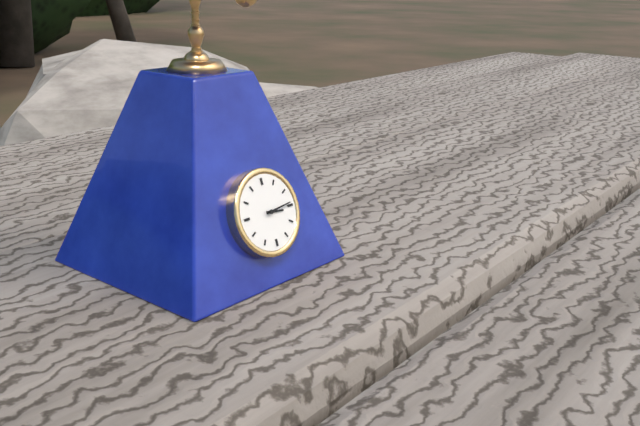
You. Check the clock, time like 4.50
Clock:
3.14
